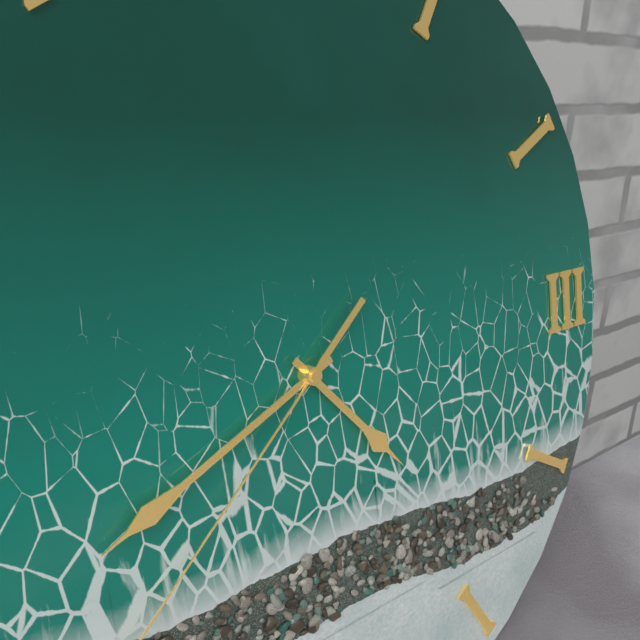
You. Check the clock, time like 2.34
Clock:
4.41
